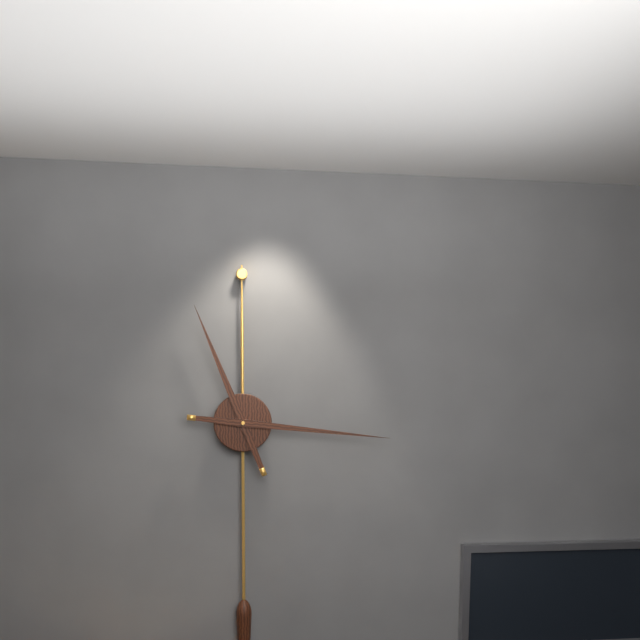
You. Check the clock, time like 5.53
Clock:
11.16
